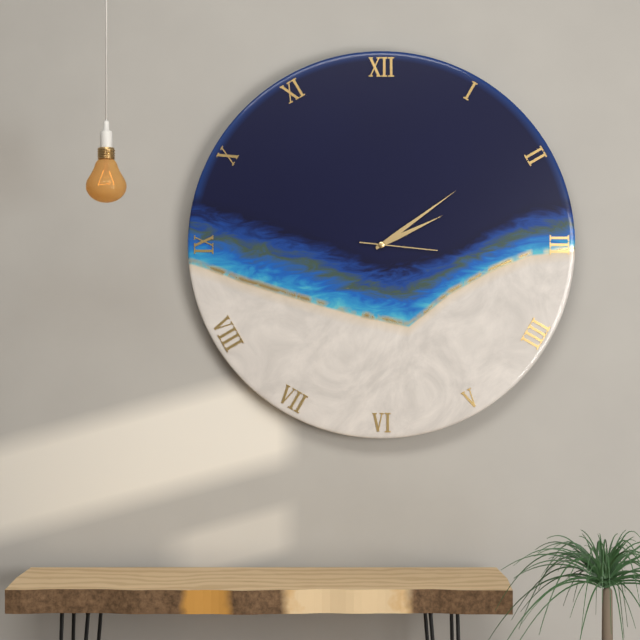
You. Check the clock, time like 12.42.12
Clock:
2.09.16
